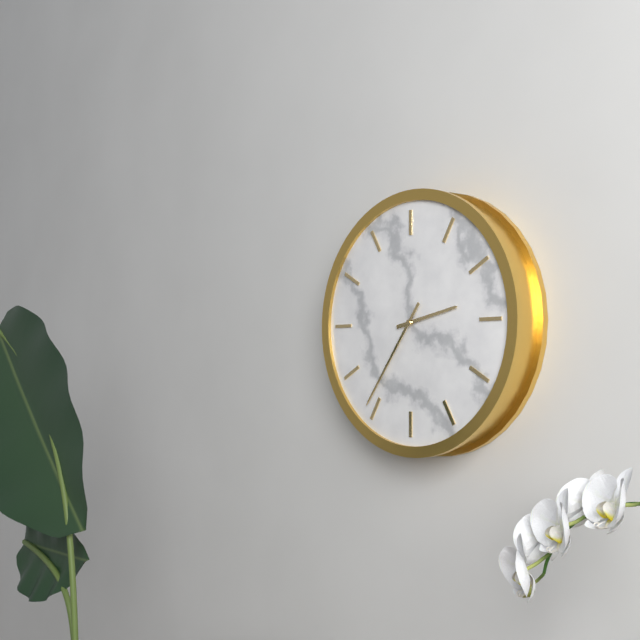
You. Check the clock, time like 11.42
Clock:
2.36
